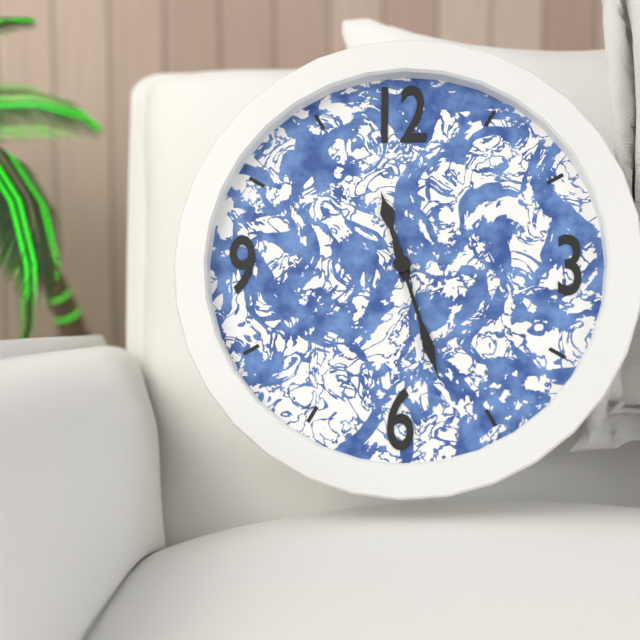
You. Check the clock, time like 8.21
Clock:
11.27
